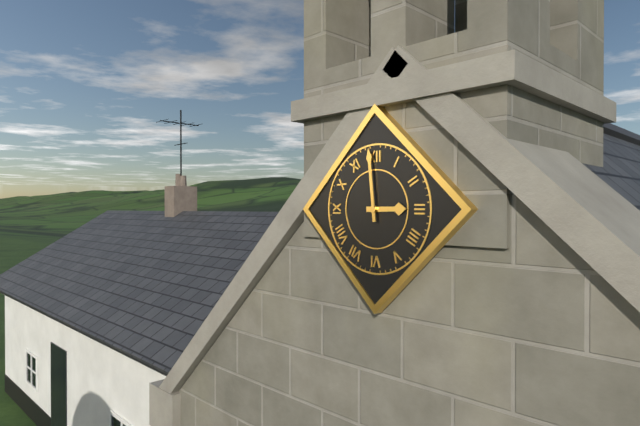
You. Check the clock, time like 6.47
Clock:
2.59
